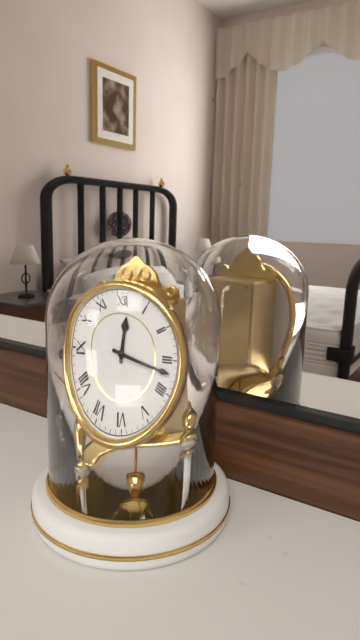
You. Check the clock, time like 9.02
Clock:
12.17
